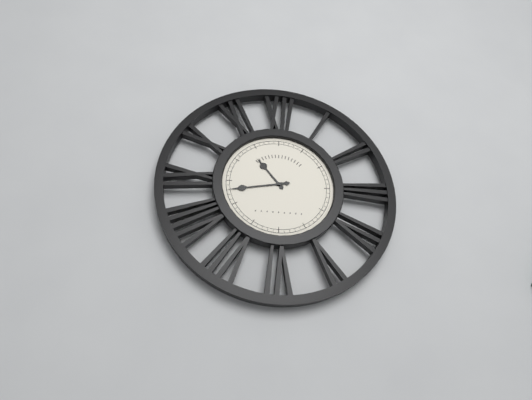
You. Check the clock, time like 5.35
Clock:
10.43
